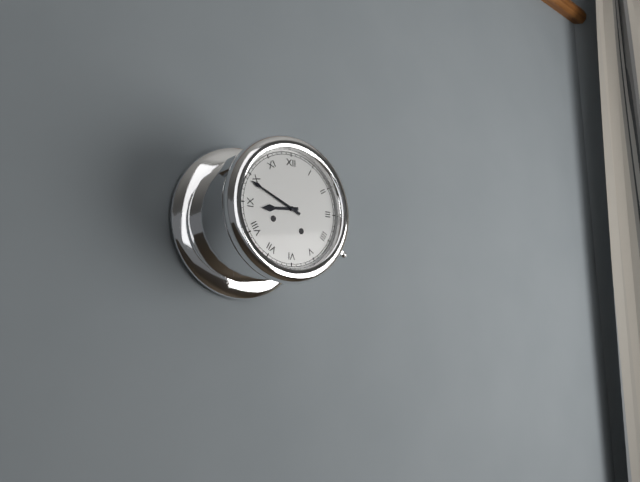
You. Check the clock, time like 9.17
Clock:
8.49
